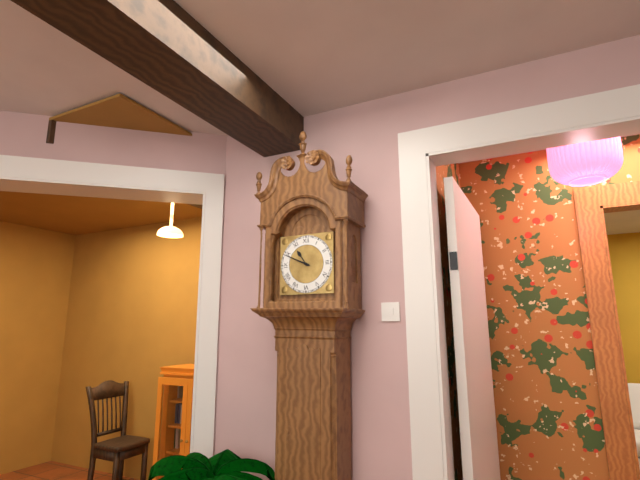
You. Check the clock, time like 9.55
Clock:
10.49
